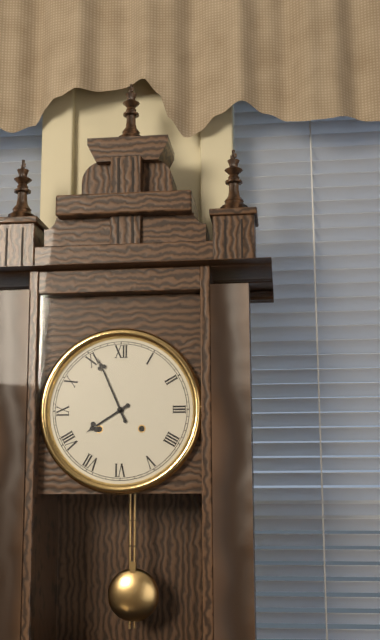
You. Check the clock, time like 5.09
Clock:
7.56
